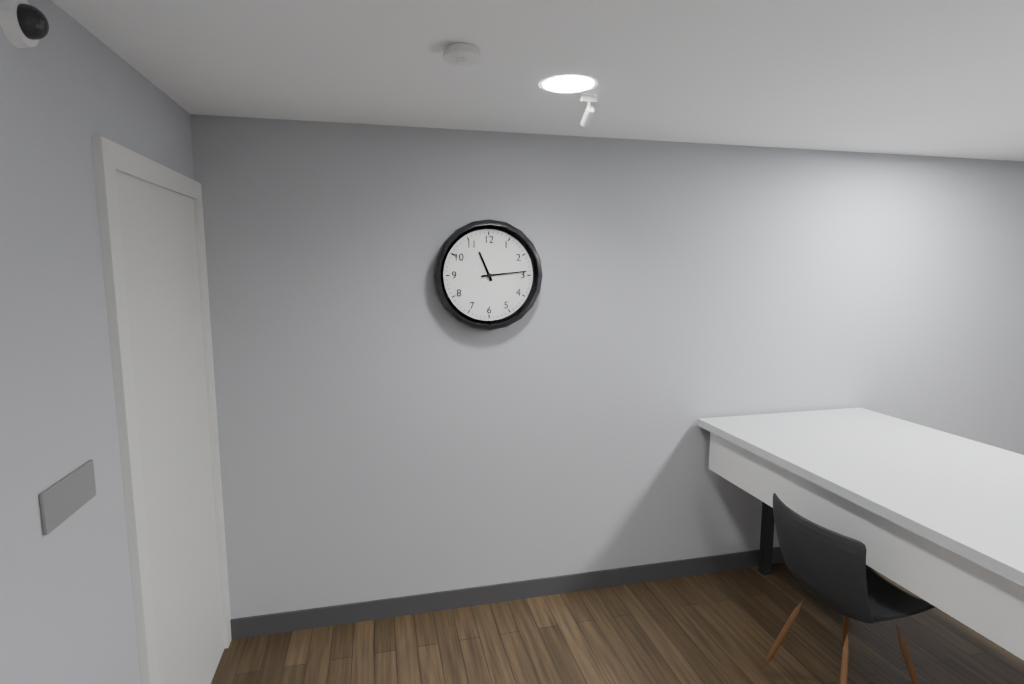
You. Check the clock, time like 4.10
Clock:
11.14
